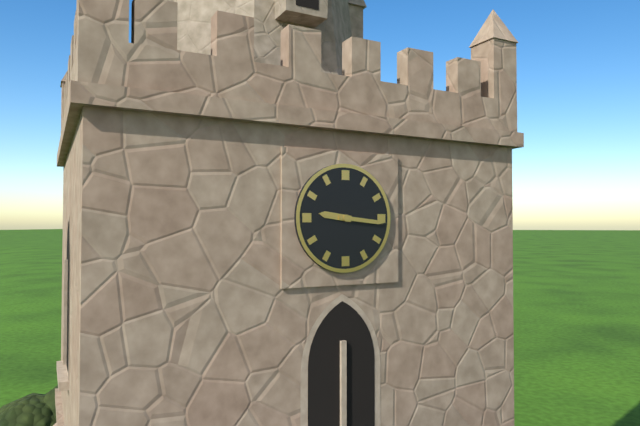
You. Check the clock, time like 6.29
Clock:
9.16
